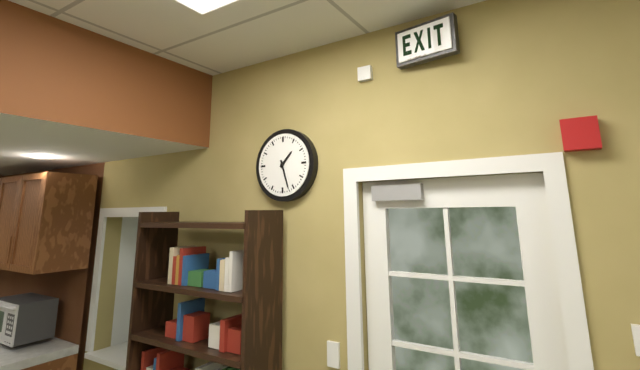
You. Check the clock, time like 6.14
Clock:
1.27
